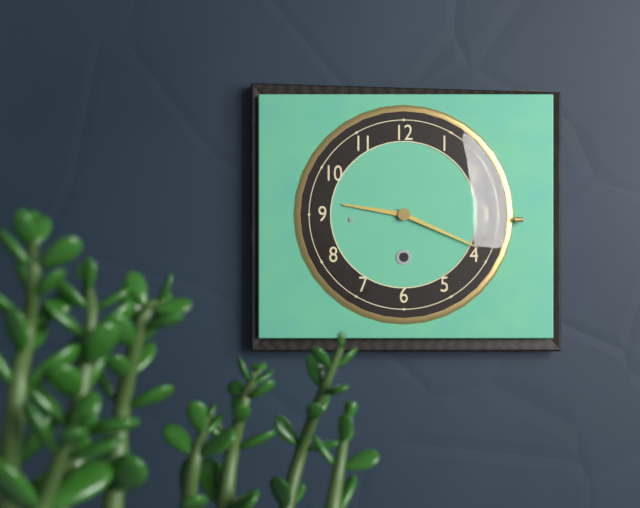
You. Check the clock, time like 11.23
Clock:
9.19
